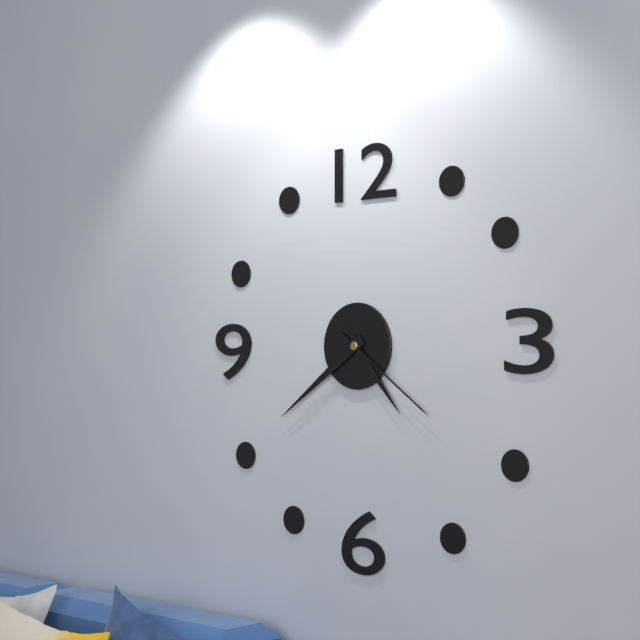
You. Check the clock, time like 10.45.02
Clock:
4.39.21
